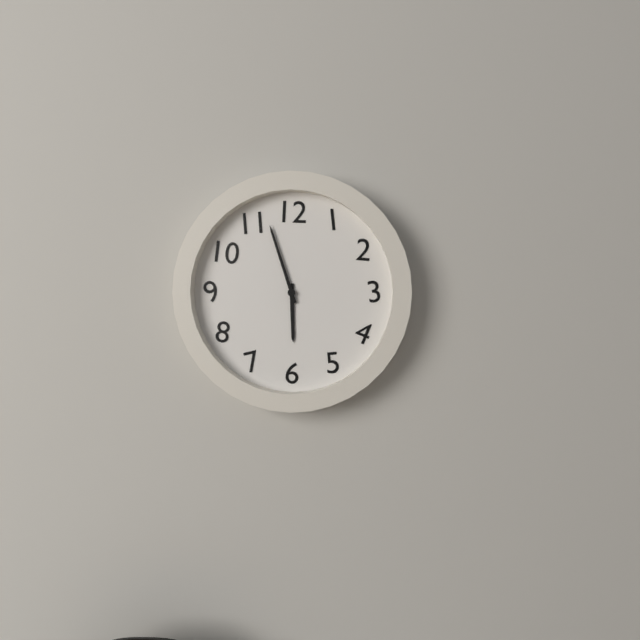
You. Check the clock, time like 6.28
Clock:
5.57
